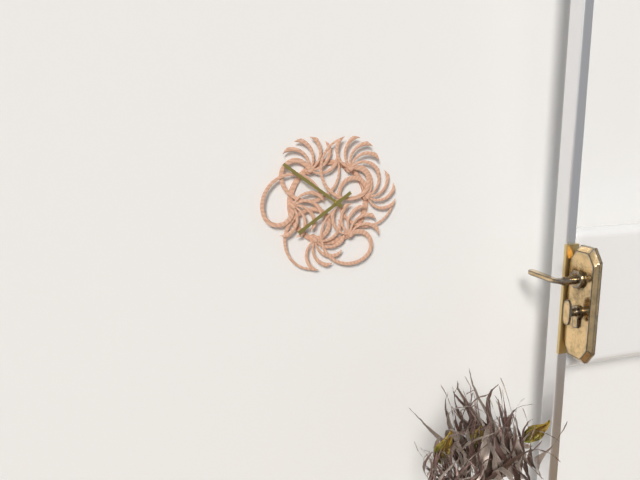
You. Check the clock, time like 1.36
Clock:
7.51
